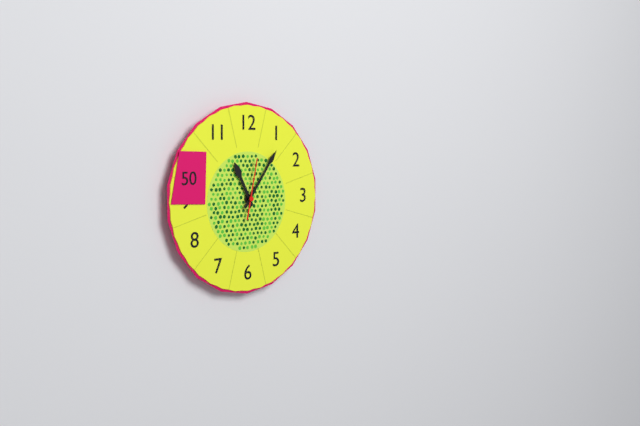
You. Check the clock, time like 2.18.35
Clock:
11.06.02
